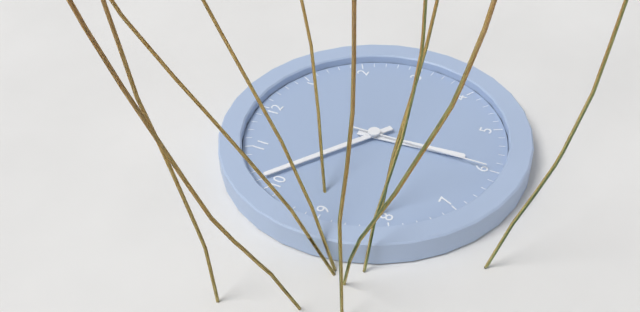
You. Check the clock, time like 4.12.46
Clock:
5.51.30
